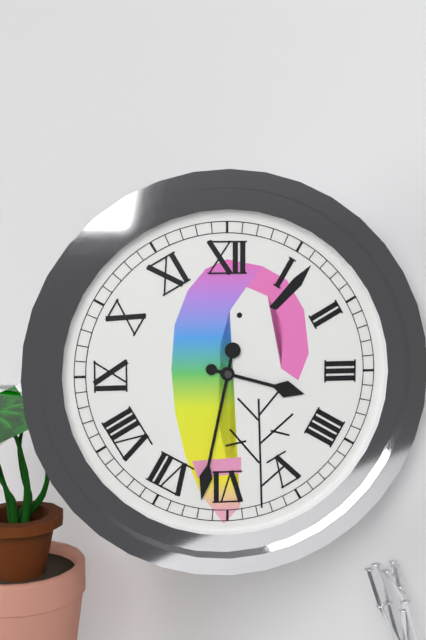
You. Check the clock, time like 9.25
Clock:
3.32
